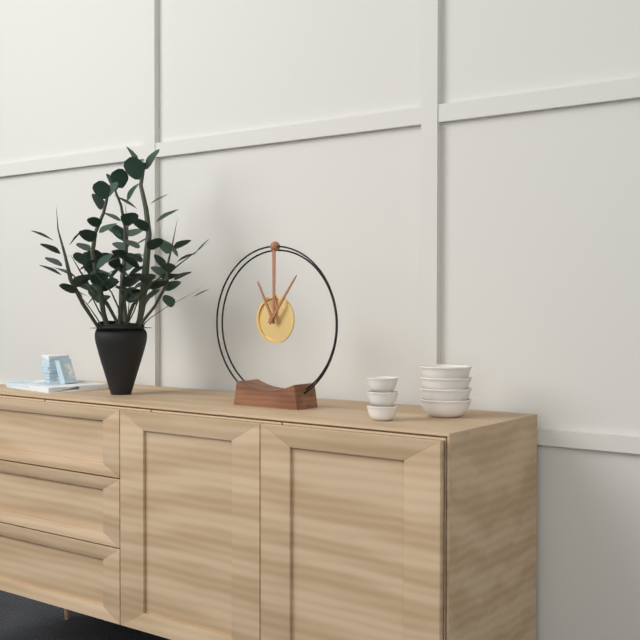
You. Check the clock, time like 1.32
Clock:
11.06
